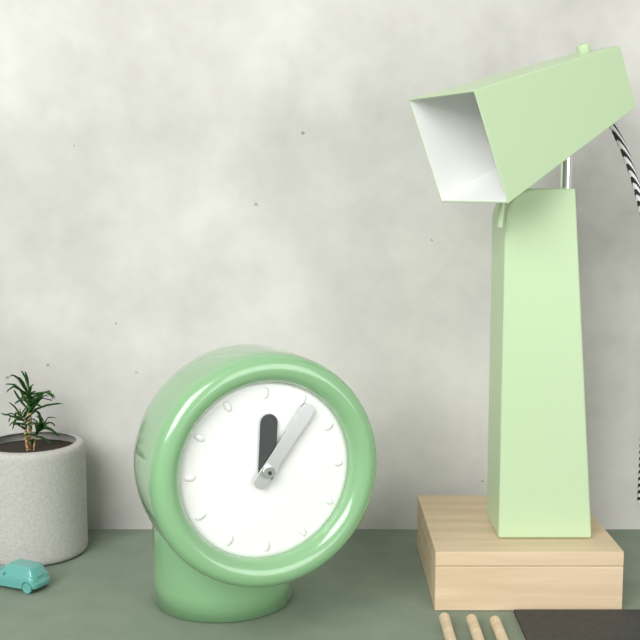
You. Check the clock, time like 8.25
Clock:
12.06
